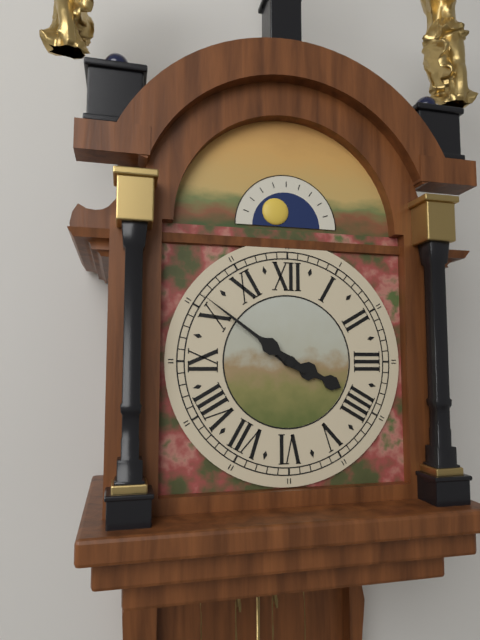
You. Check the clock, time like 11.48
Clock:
3.51
